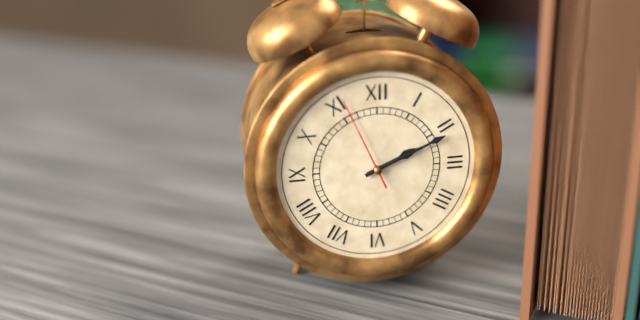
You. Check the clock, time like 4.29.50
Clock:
2.11.56
